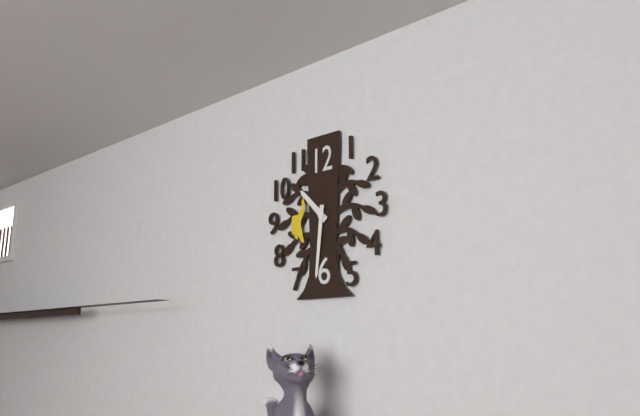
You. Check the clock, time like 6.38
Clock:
10.31
